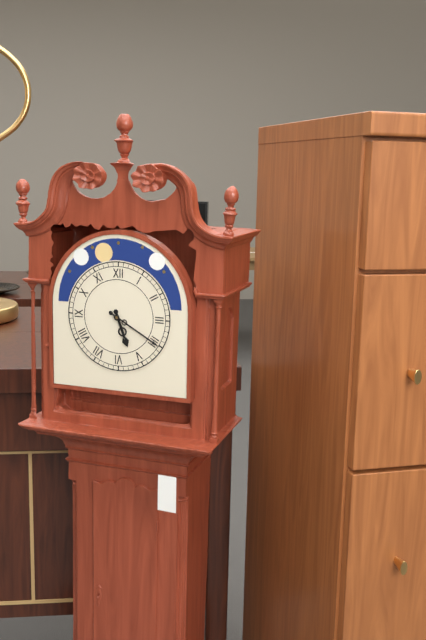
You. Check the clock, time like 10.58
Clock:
5.20
